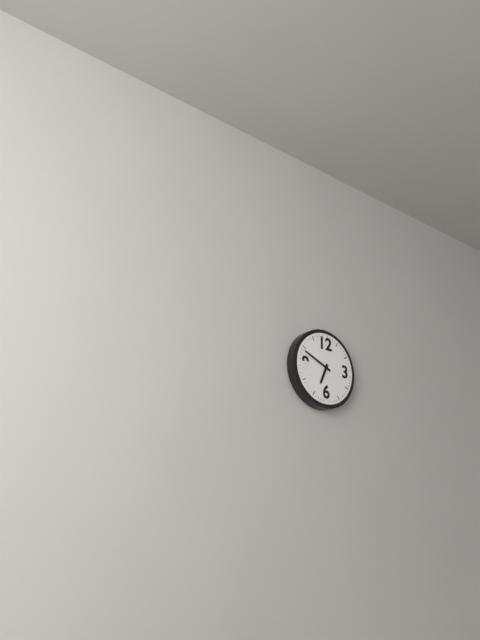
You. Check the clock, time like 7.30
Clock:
6.49
